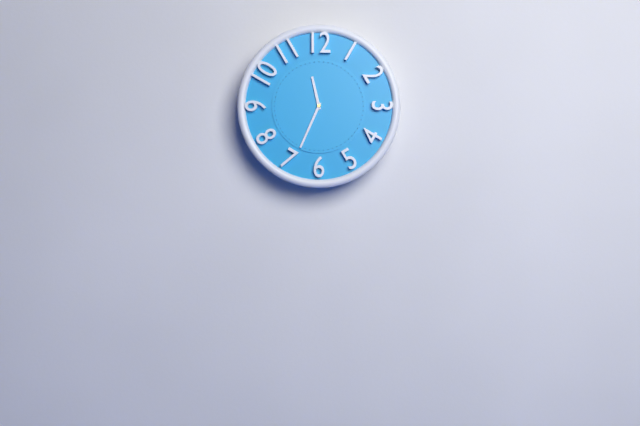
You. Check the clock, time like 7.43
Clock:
11.34
